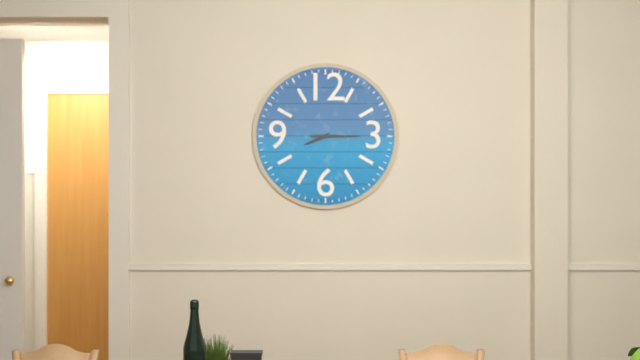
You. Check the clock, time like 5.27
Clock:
8.15
